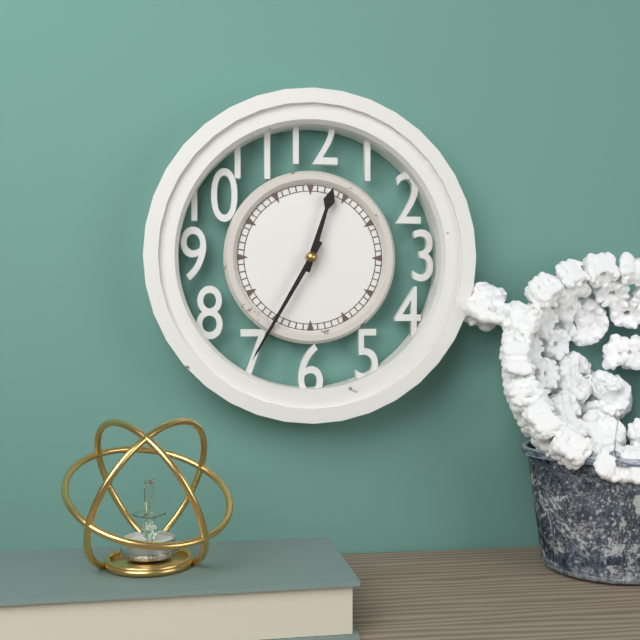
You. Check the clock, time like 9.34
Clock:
12.35
